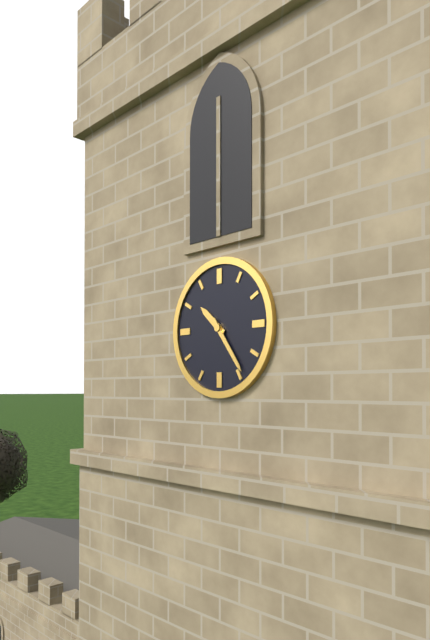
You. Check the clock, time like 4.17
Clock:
10.24
